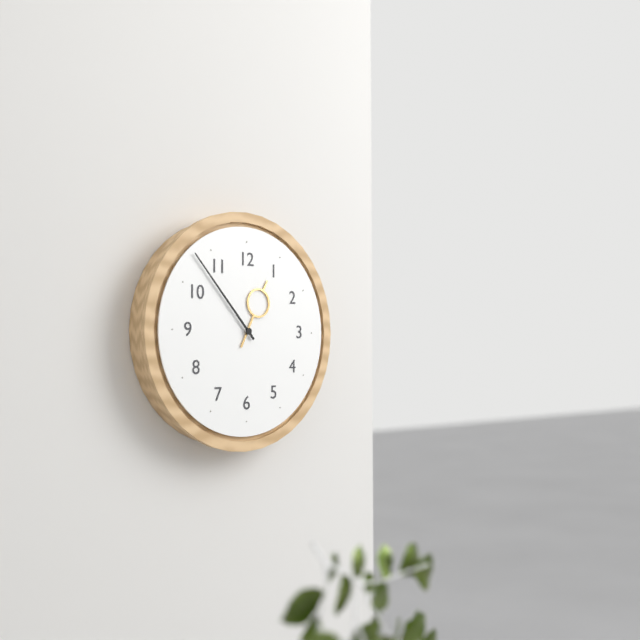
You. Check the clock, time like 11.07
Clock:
12.53
